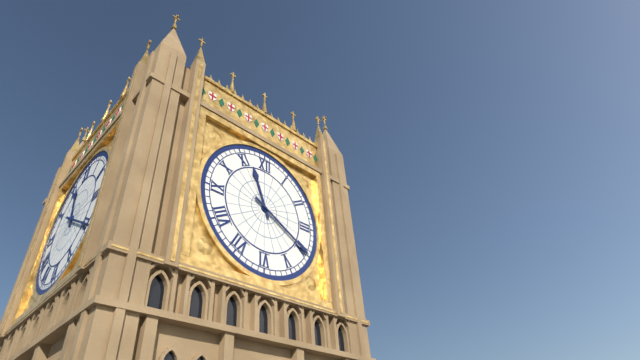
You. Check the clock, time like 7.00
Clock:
11.20
